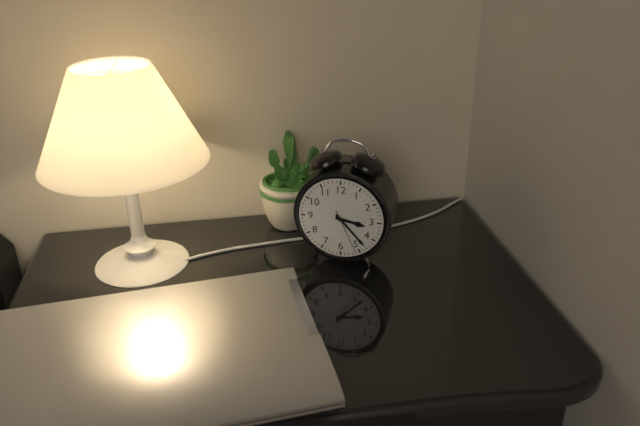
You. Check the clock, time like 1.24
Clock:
3.23
